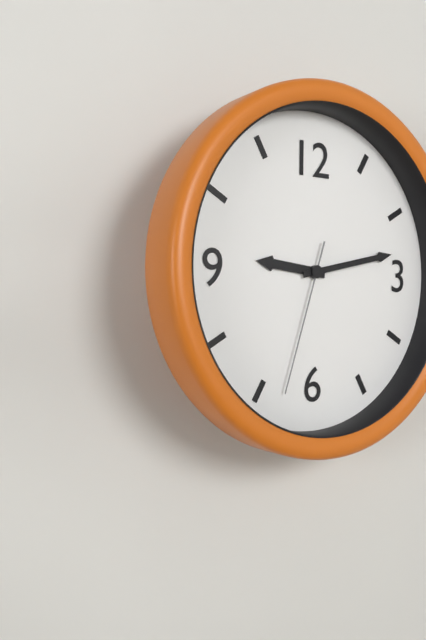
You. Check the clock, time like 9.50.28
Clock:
9.13.33
